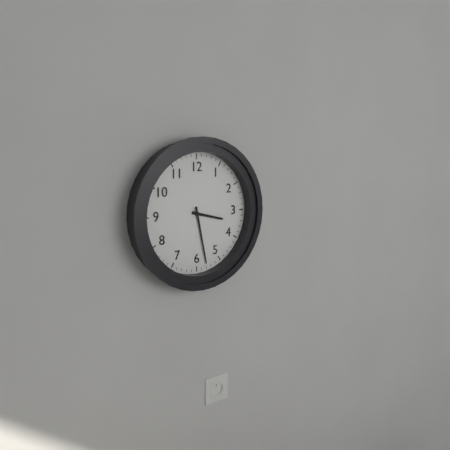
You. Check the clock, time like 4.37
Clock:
3.28
